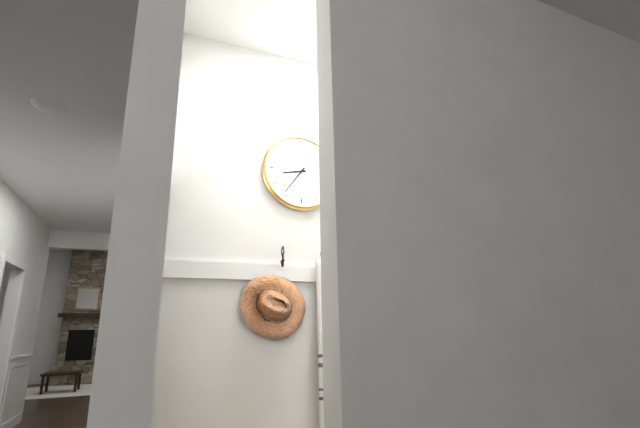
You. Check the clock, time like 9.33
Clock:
8.36
